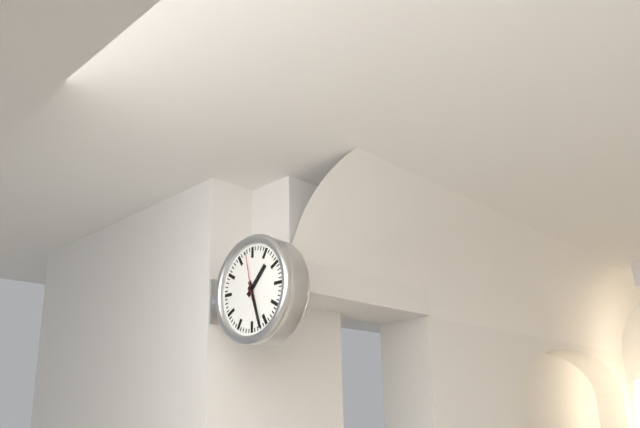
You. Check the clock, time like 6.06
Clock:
1.27
